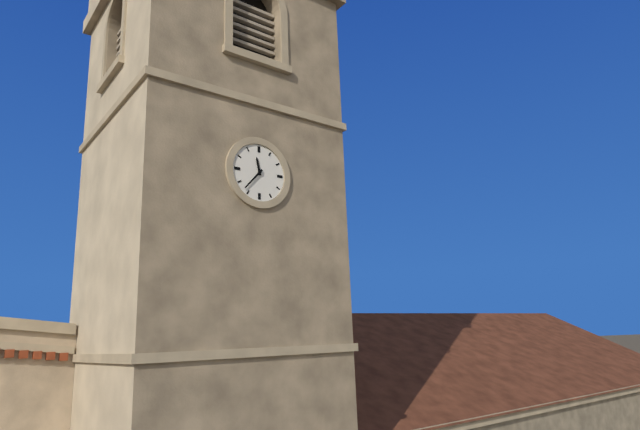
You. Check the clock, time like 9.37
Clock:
11.37
